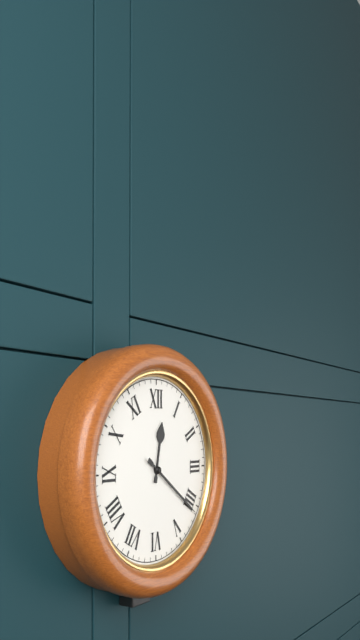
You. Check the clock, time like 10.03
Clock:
12.21
